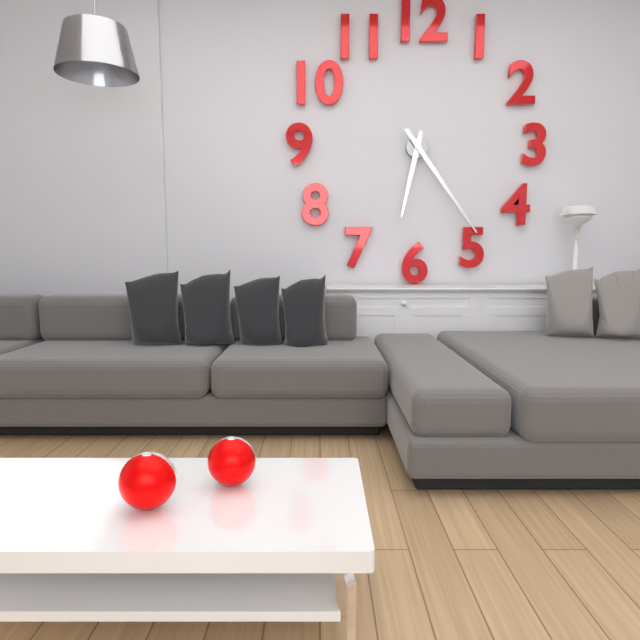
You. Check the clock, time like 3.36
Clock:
6.24
